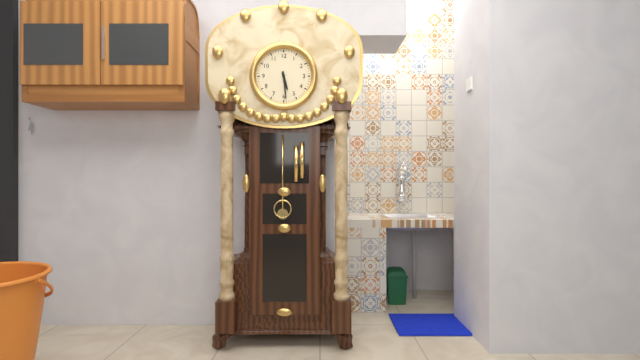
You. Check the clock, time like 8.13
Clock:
5.29
